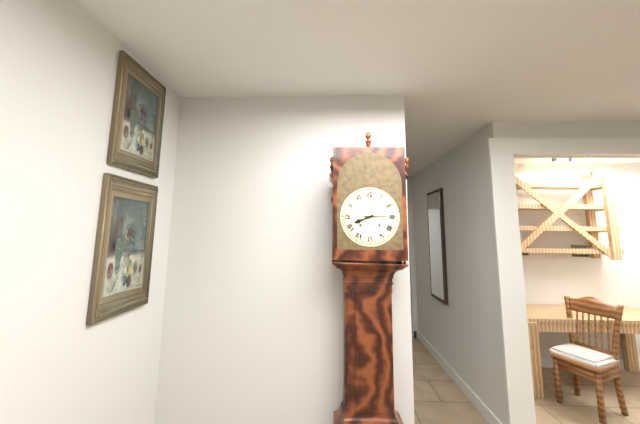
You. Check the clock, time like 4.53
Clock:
8.15
